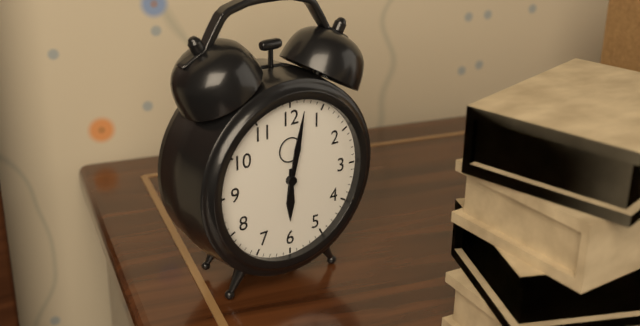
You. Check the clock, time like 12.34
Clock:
6.02
